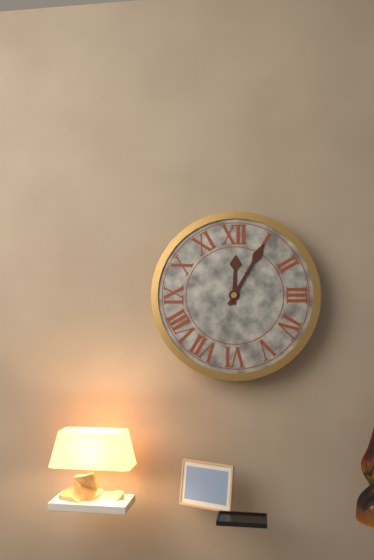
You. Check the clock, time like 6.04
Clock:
12.05
